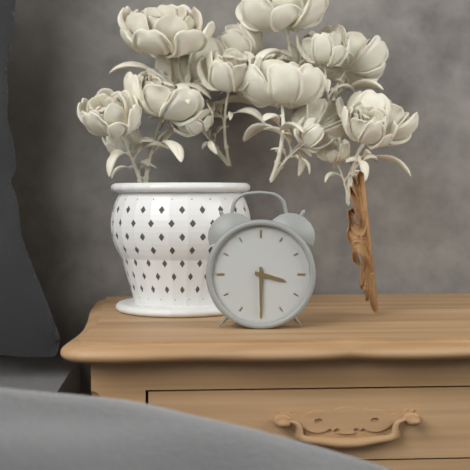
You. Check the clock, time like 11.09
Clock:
3.30
